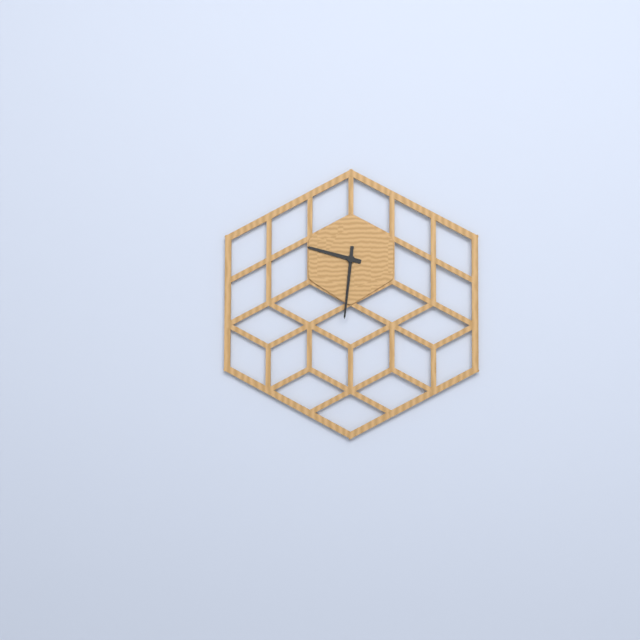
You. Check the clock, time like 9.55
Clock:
9.31
